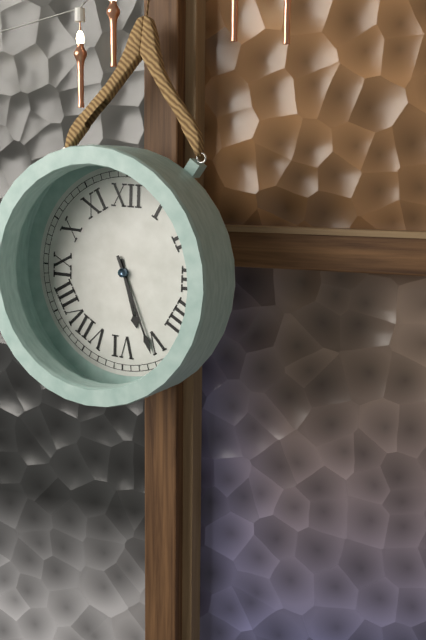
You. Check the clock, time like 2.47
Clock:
5.26
